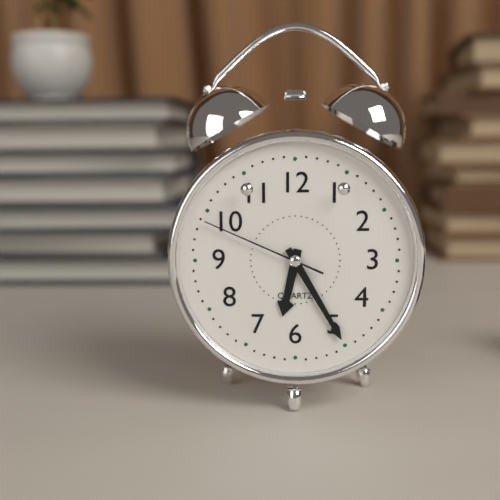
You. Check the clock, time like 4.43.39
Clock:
6.25.49
